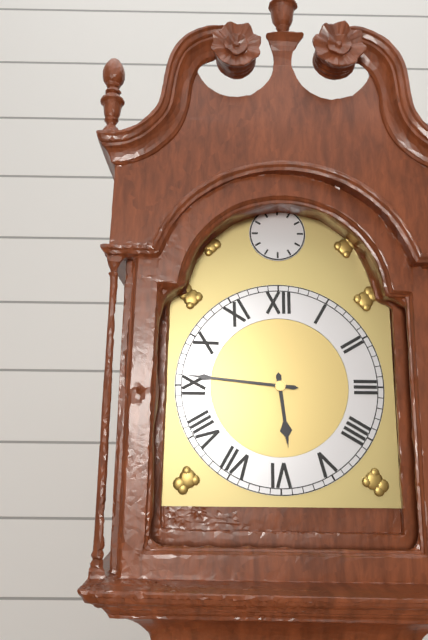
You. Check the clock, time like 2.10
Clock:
5.46
